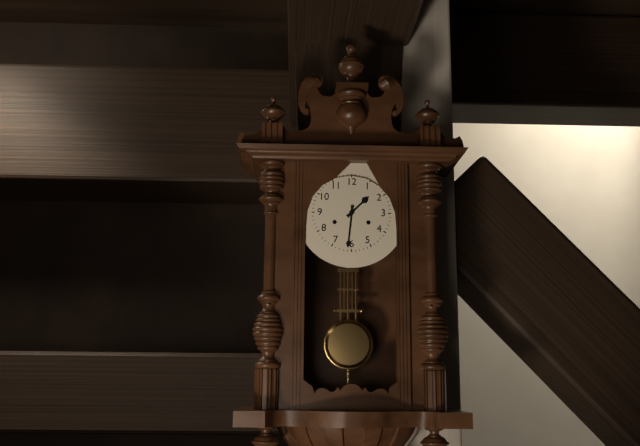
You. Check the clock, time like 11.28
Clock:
1.31
